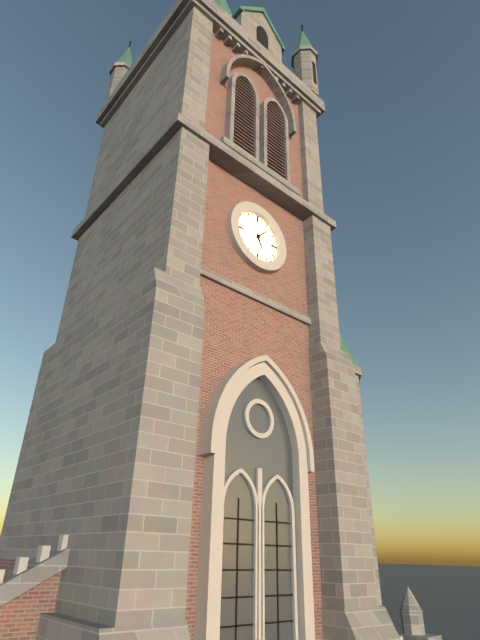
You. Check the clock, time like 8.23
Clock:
5.07
